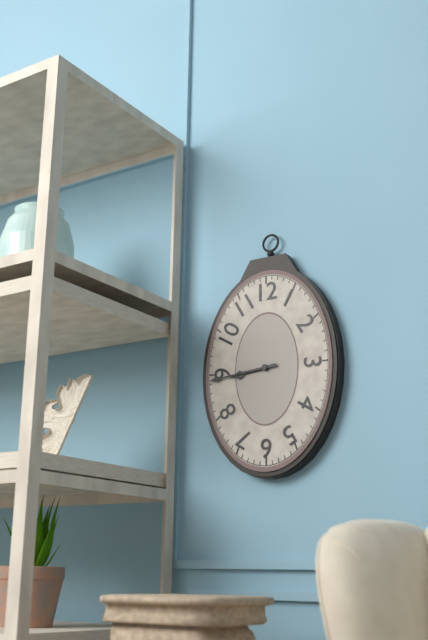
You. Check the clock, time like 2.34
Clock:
8.44
